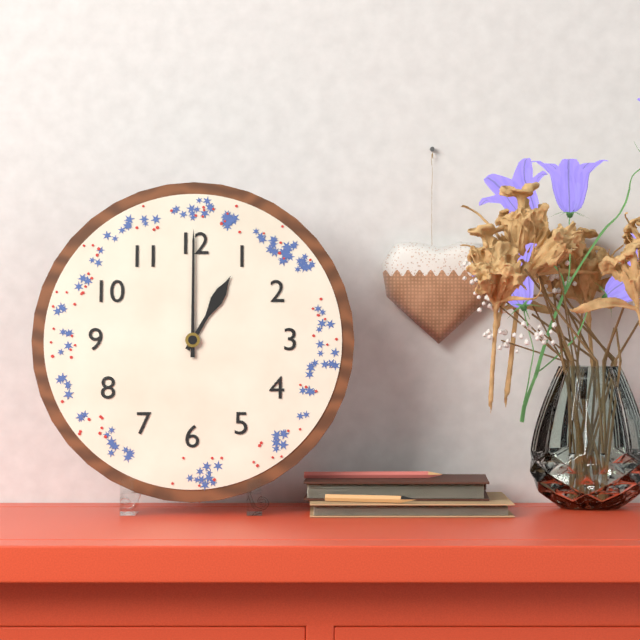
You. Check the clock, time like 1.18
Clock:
1.00
